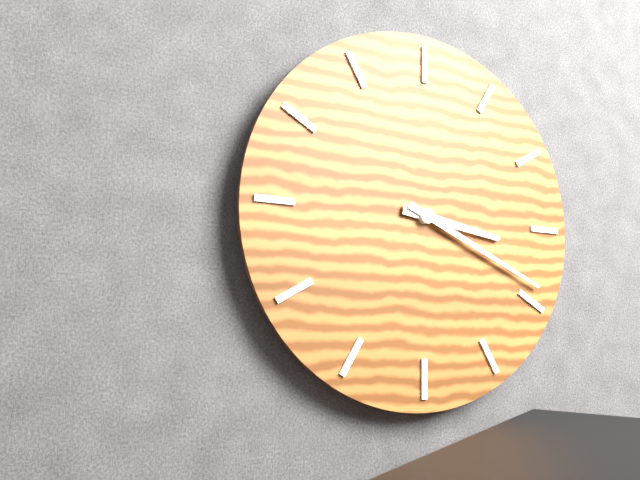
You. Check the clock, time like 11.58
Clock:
3.19
